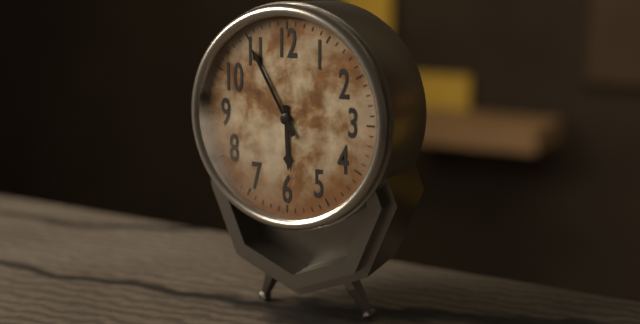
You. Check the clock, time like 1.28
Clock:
5.55
